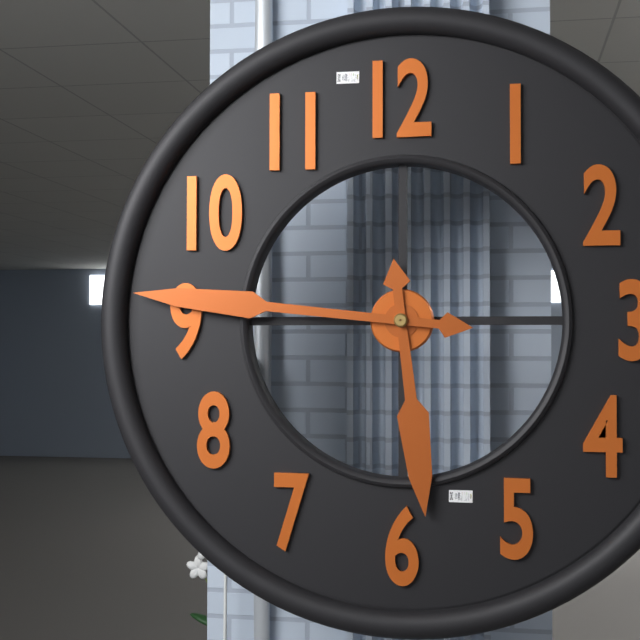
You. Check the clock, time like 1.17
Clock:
5.46
